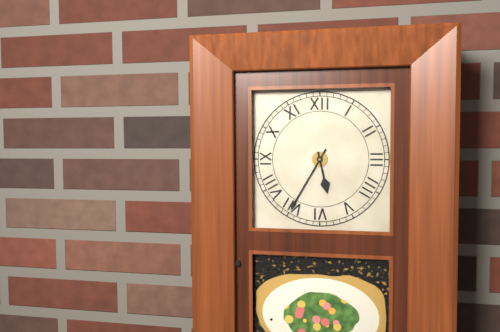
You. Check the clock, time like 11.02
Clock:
5.35
